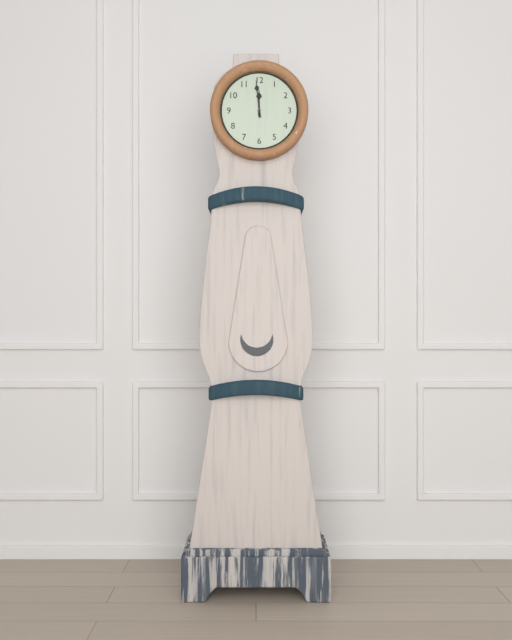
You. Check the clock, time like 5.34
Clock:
11.59
